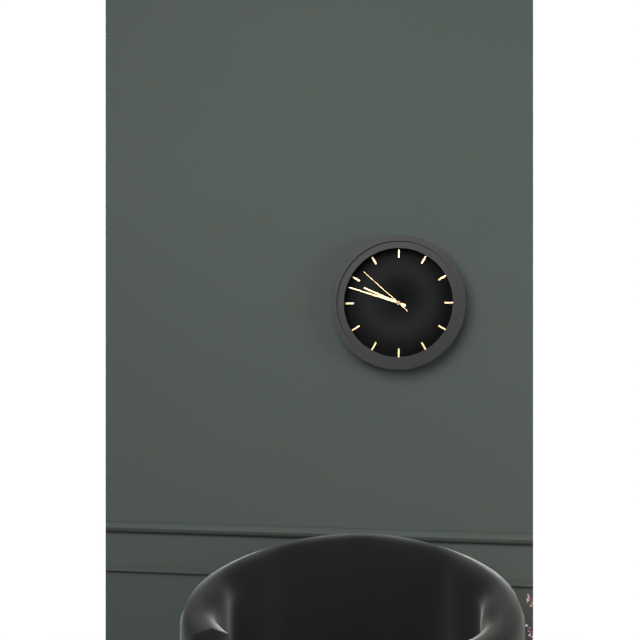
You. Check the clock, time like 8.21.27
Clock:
9.48.52
